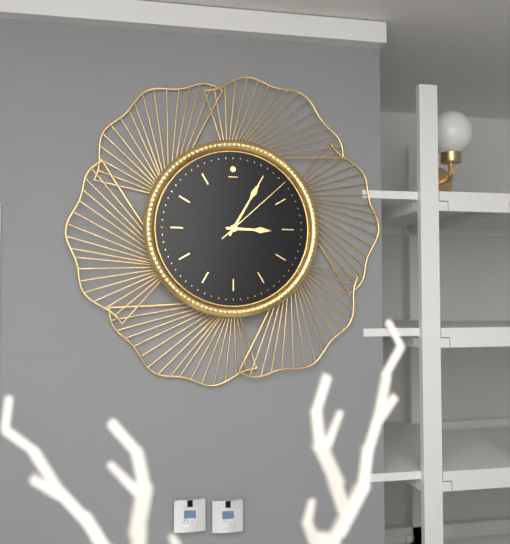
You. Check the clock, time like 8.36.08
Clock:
3.05.08
